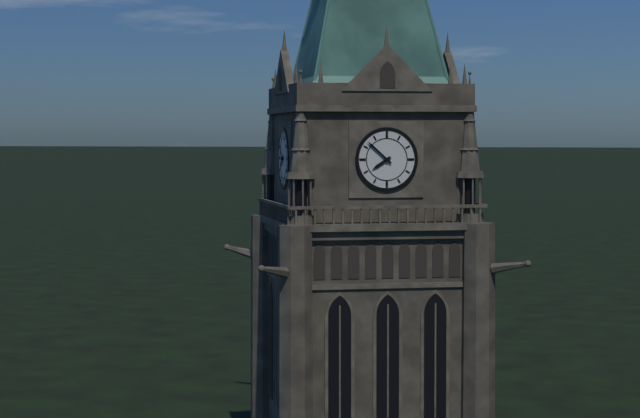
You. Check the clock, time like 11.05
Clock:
7.52
